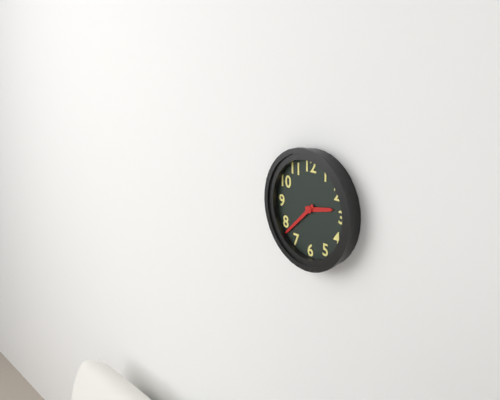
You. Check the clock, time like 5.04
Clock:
2.38
